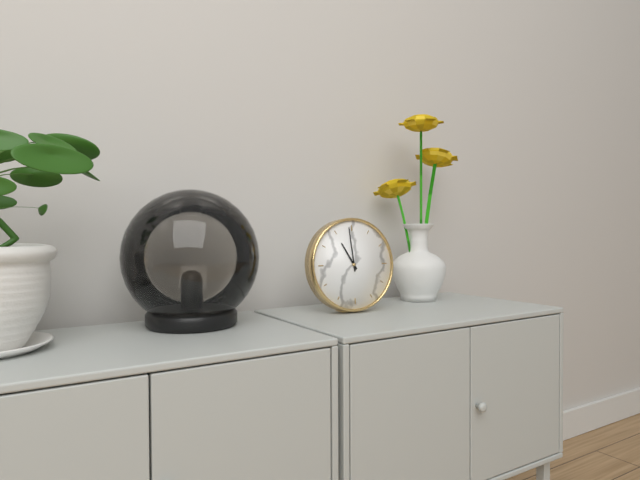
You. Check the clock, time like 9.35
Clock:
10.59
